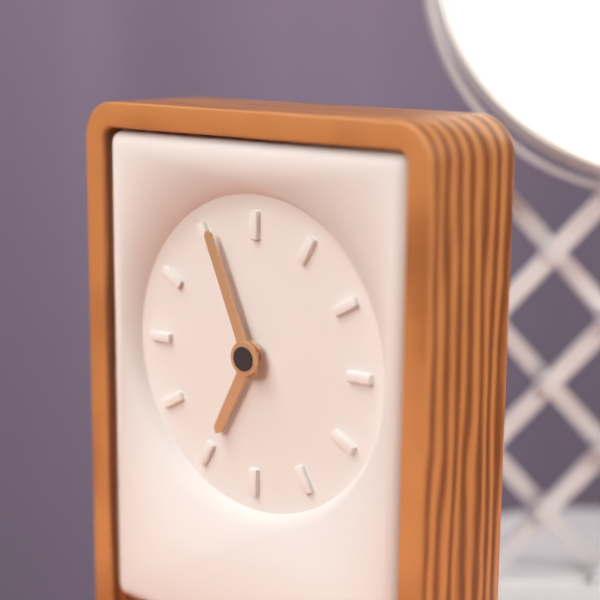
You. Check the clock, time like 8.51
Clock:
6.56
